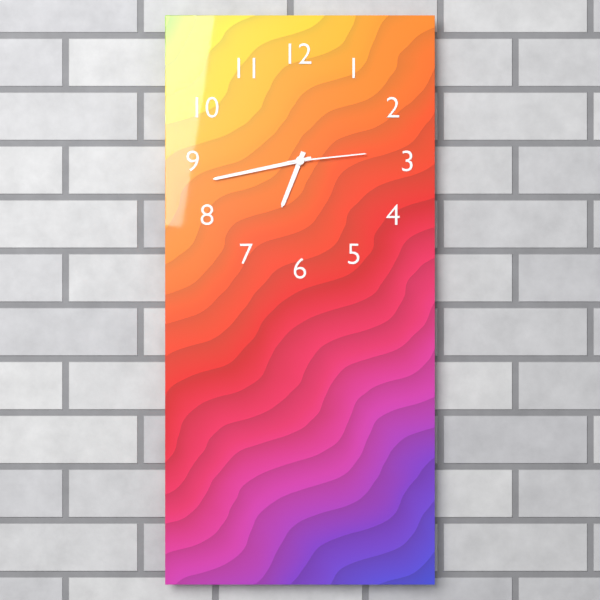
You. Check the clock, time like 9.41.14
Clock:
6.43.14
